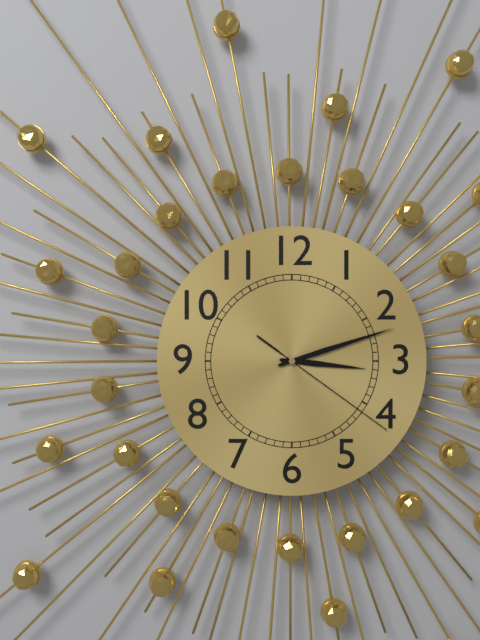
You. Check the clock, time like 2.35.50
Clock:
3.12.21
